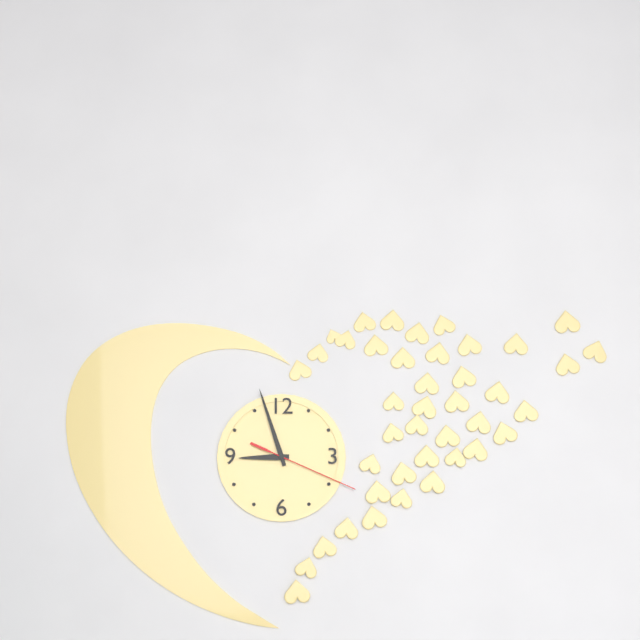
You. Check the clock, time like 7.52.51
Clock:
8.57.19
